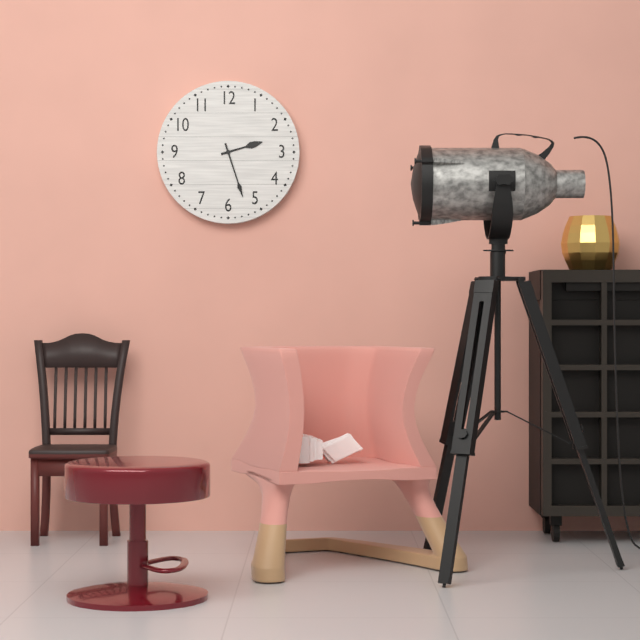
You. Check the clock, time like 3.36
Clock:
2.27
